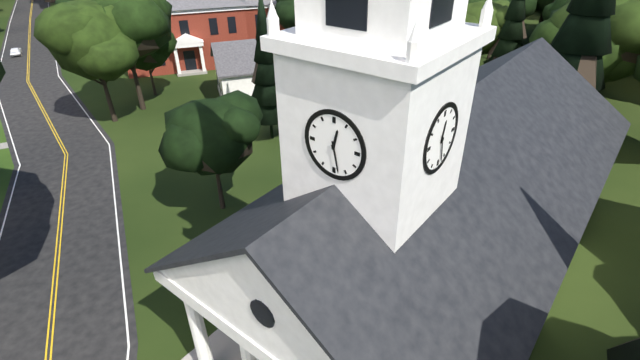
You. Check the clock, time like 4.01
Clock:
12.28
